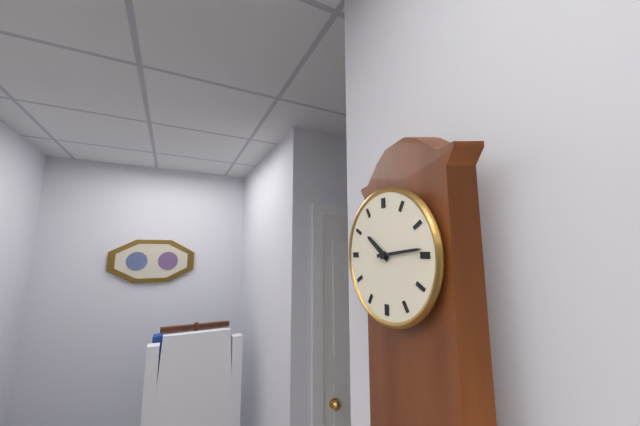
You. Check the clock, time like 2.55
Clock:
10.14
